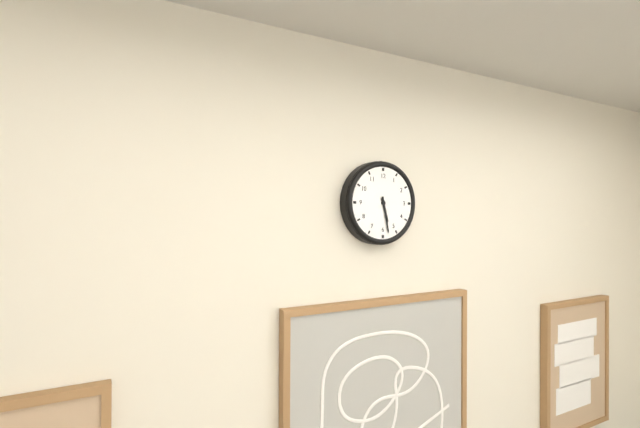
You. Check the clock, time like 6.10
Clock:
5.28
